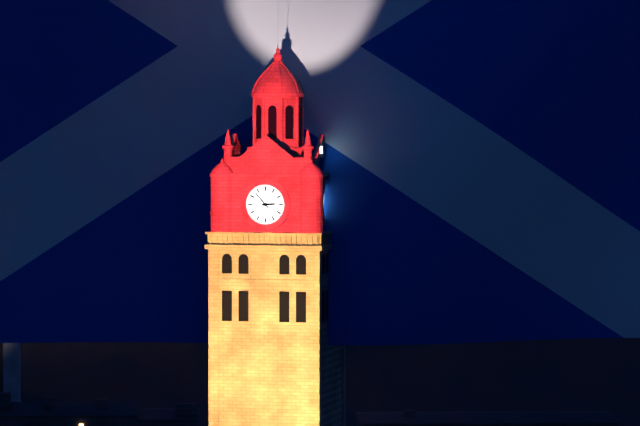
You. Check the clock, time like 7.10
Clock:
2.53
